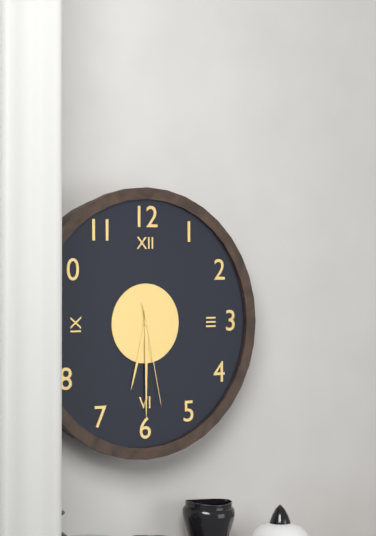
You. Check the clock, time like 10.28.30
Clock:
6.30.28
